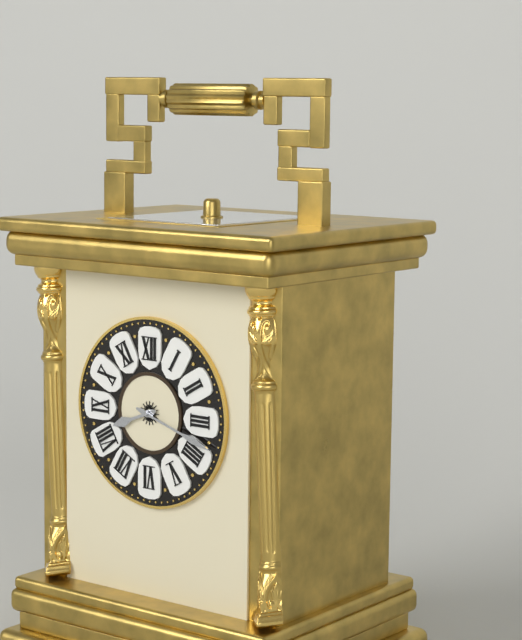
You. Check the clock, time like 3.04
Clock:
8.18
